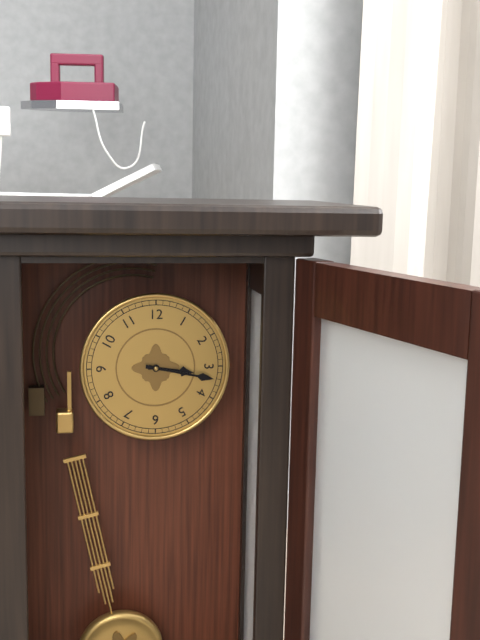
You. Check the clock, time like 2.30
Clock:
3.17
